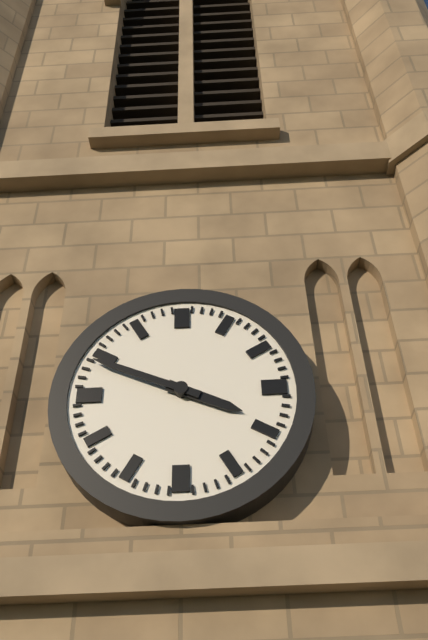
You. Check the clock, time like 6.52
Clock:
3.49
